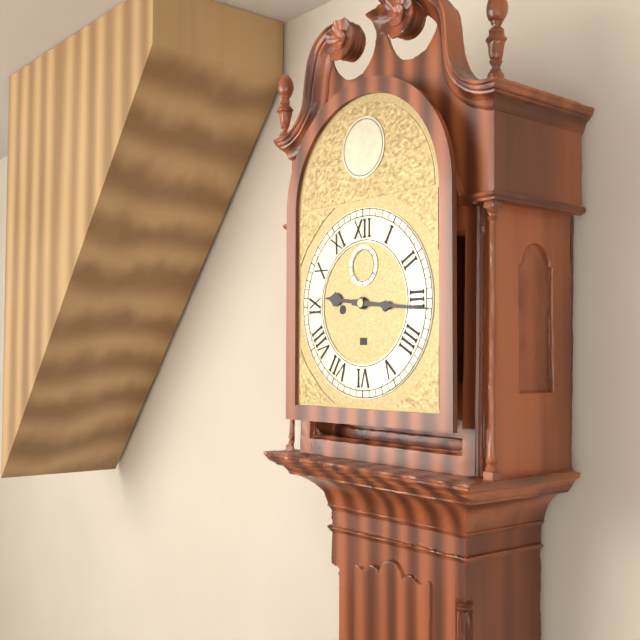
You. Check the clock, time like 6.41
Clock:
9.16
